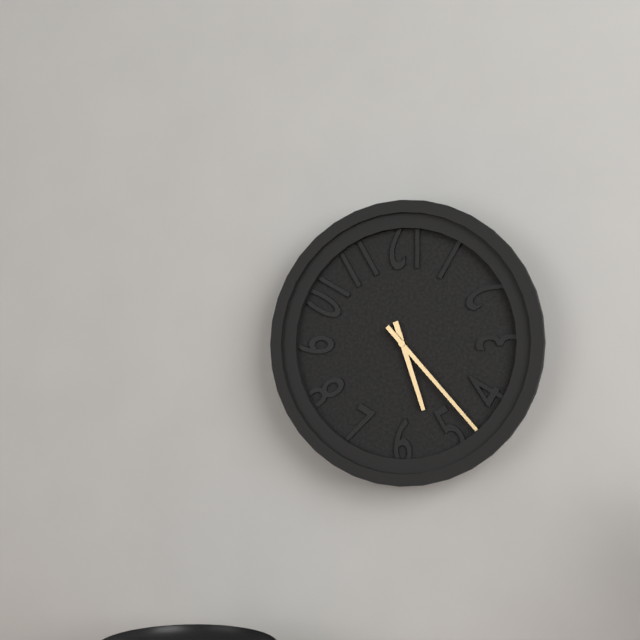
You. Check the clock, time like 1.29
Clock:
5.23
